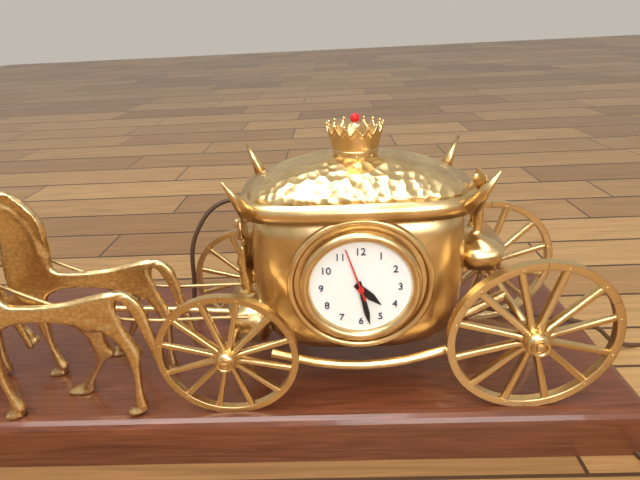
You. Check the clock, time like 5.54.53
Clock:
4.28.57
